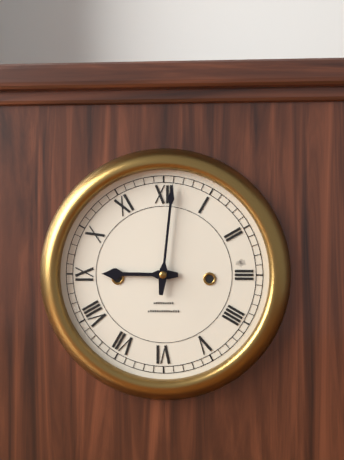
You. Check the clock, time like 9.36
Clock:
9.01
